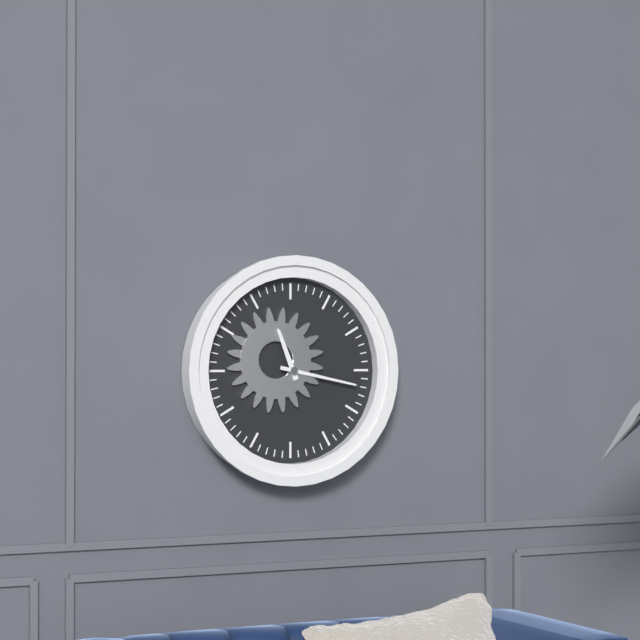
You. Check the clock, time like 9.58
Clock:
11.17
